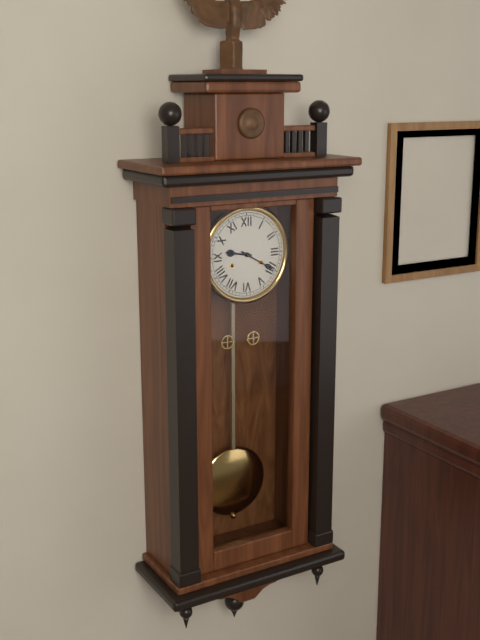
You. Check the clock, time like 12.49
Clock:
9.20
